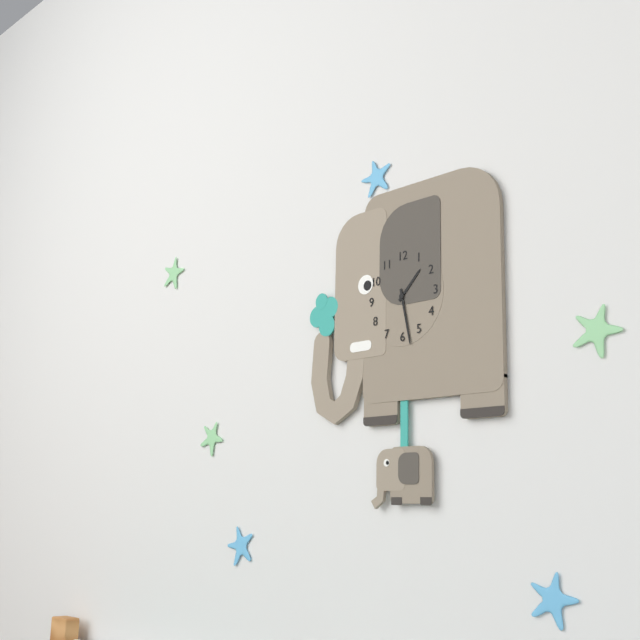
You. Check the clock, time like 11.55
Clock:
1.28
